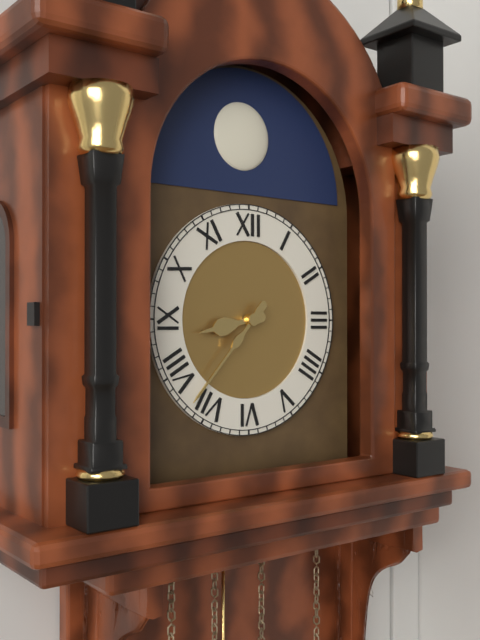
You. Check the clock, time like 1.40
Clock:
8.37
